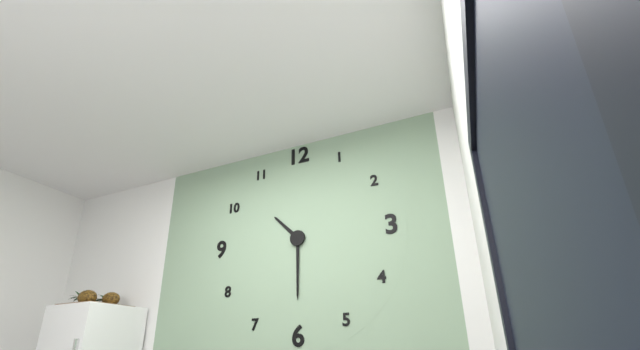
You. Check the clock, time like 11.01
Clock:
10.30
